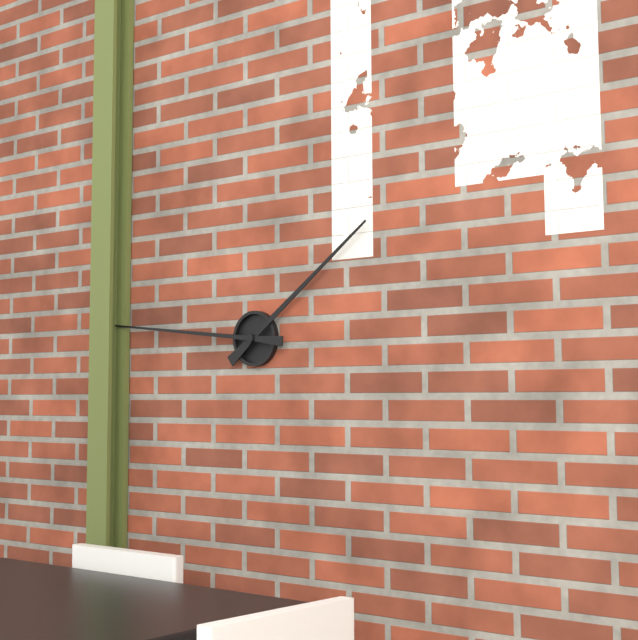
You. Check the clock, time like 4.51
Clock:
1.46
